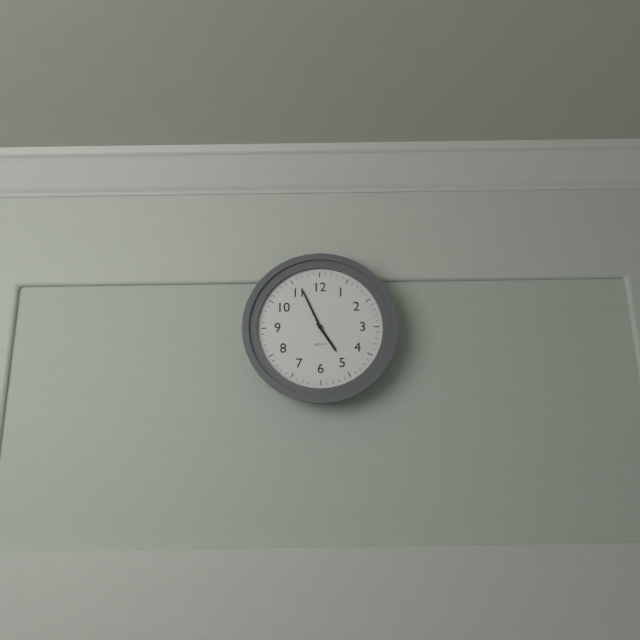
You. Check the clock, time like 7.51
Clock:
4.56
